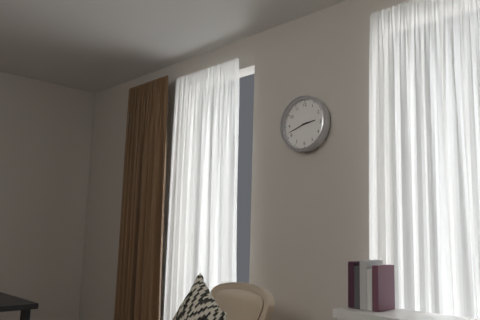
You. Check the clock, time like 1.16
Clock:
2.42
